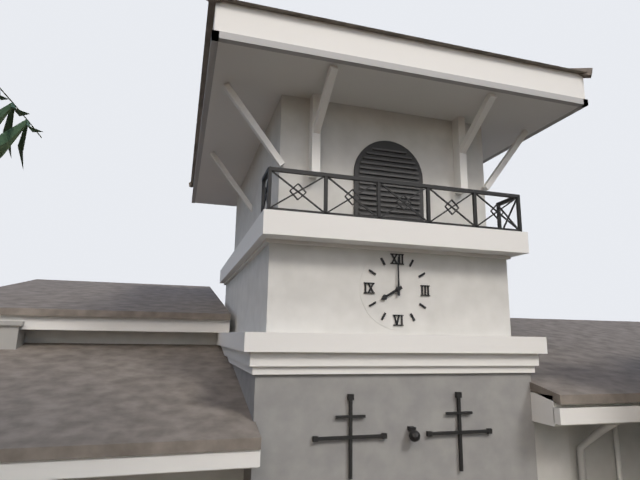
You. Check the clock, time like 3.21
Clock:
8.00
